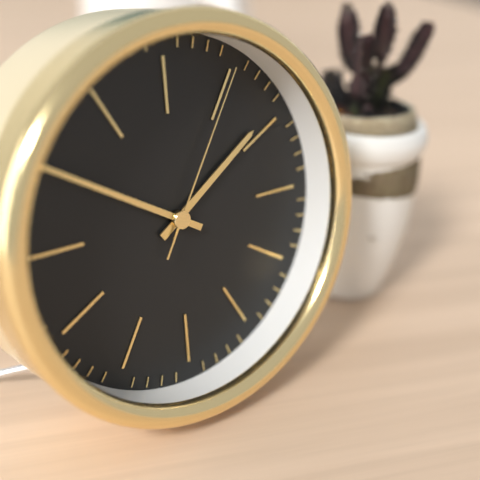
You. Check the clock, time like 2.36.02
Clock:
1.50.05
